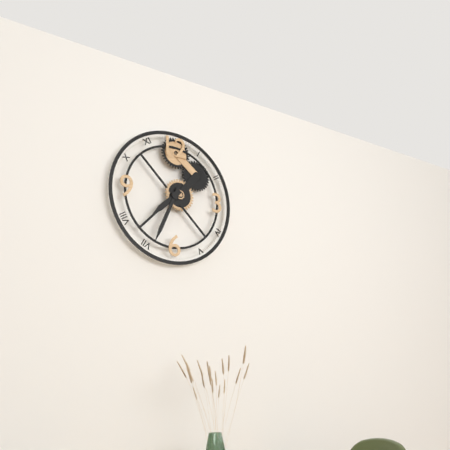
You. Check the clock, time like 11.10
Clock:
7.34
